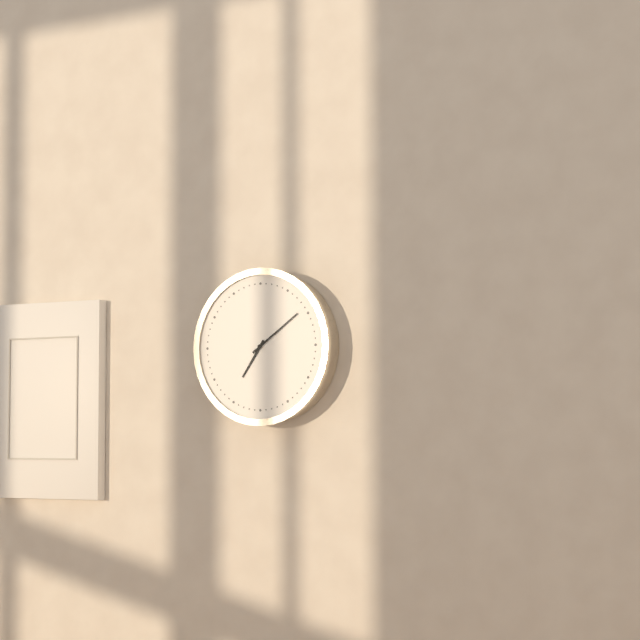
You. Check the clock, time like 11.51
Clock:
7.09
